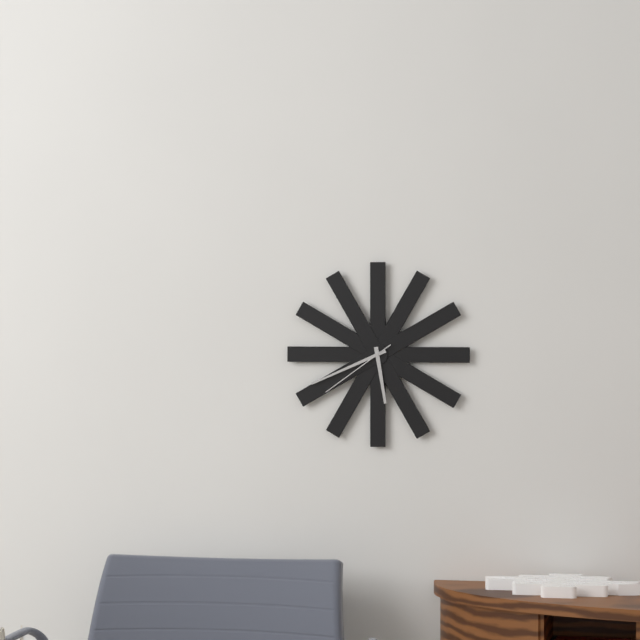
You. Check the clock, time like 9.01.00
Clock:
5.41.39
